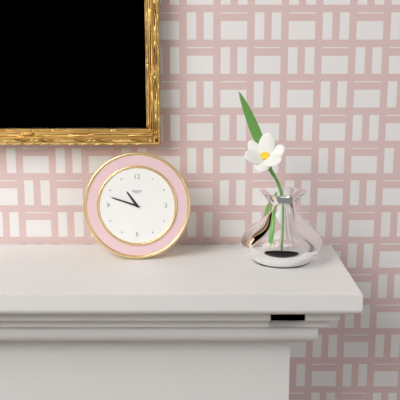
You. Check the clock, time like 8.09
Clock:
10.48
